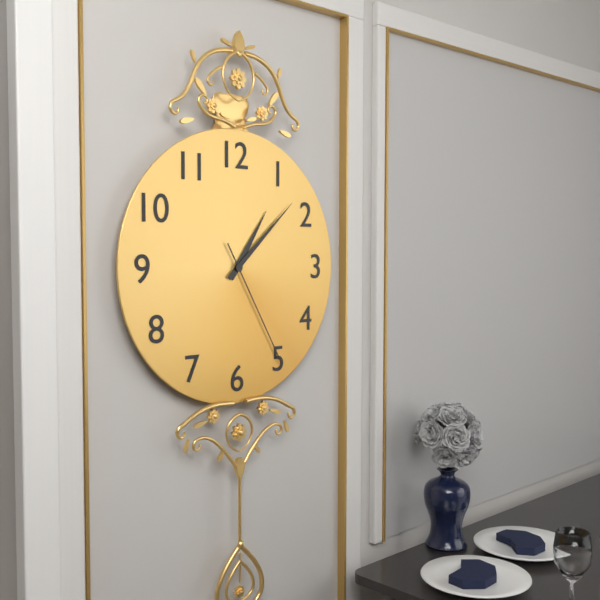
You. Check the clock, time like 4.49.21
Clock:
1.08.25
